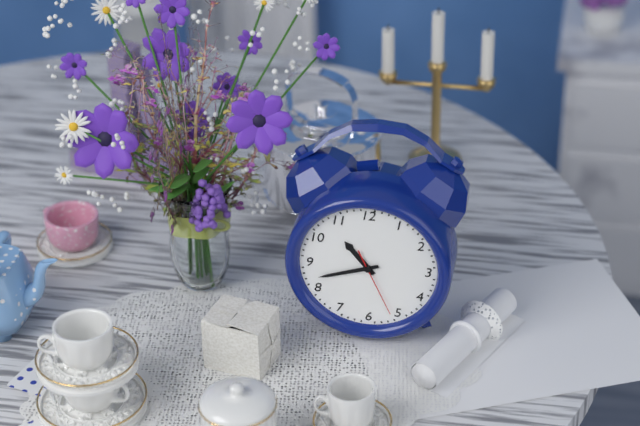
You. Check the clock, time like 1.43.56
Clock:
10.42.26
